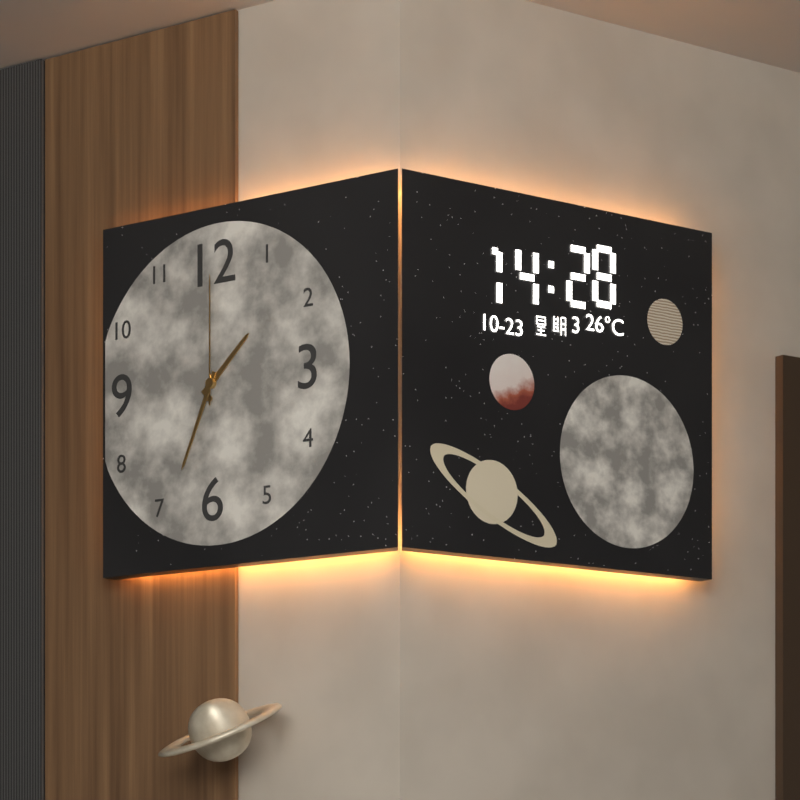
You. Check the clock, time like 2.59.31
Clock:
1.34.00
